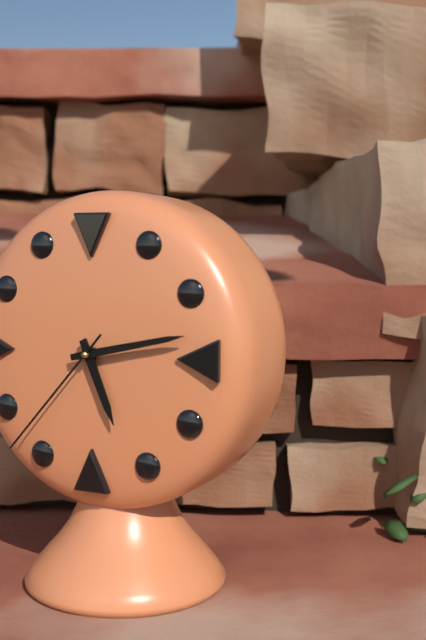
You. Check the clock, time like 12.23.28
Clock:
5.13.37
